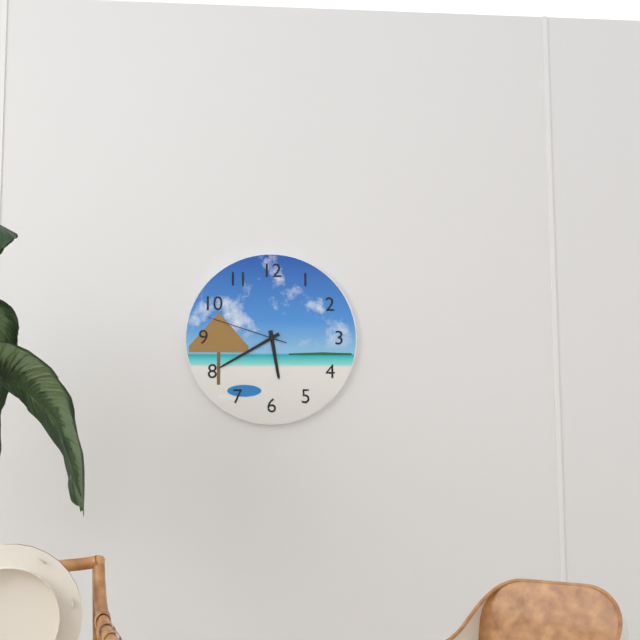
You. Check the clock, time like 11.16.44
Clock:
5.40.48
